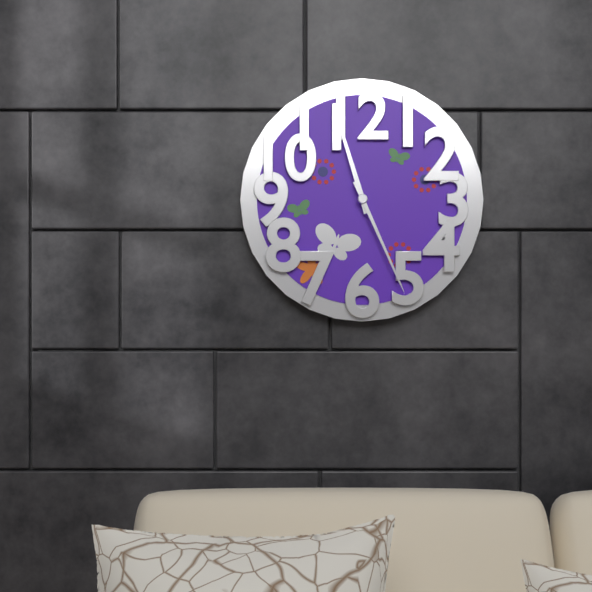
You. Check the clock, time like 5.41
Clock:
11.26
